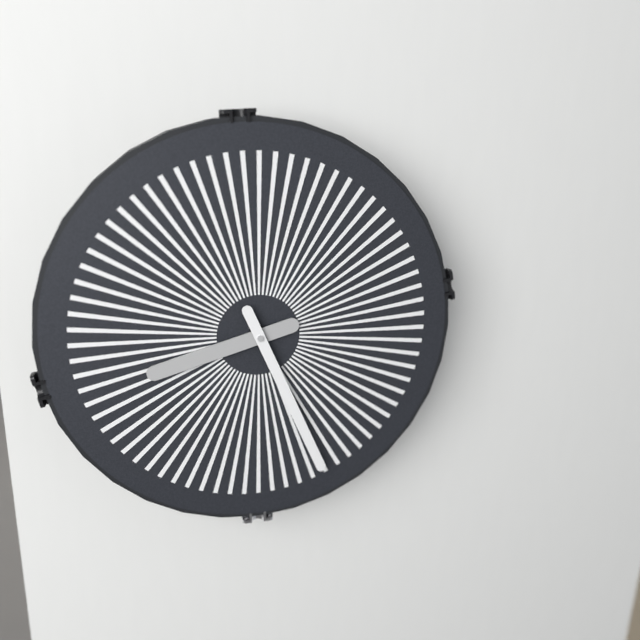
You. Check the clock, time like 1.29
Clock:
8.26
